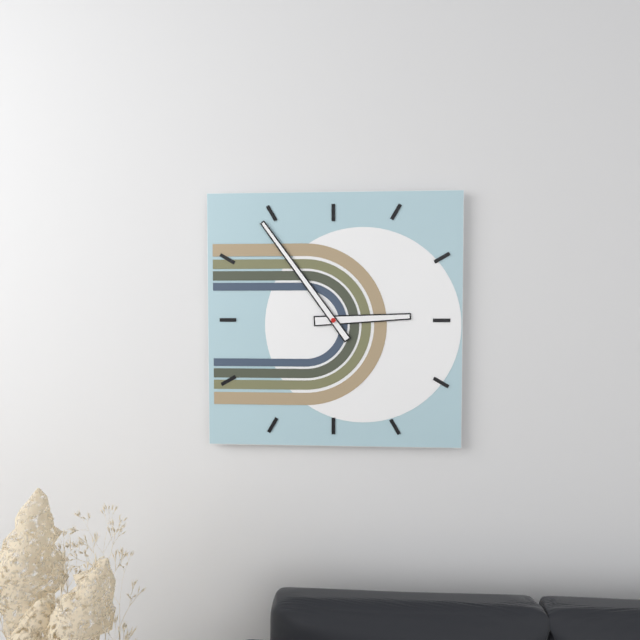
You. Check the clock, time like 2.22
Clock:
2.54
